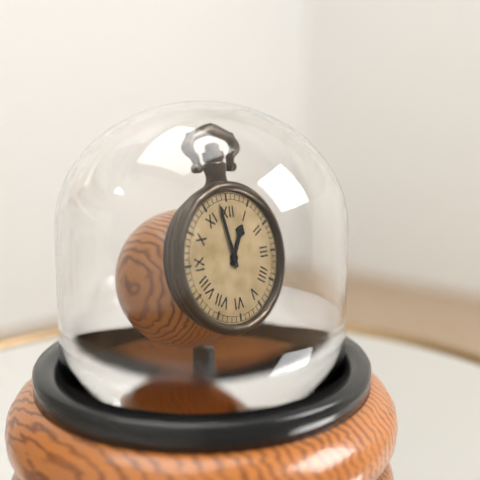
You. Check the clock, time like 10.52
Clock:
12.58
